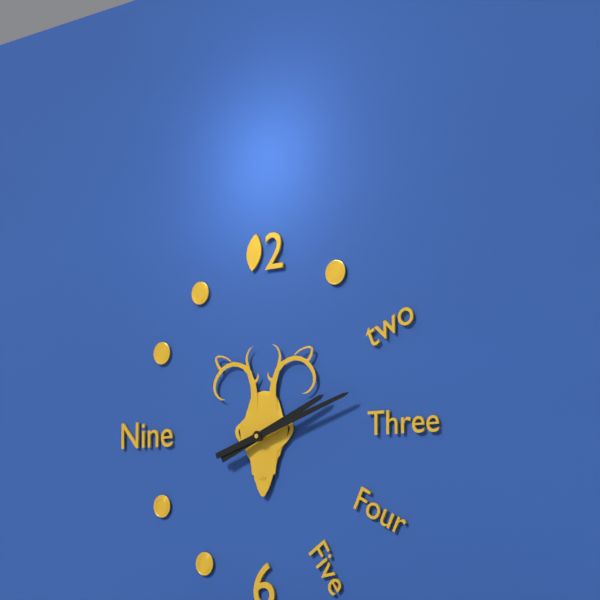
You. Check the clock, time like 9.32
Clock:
2.12
